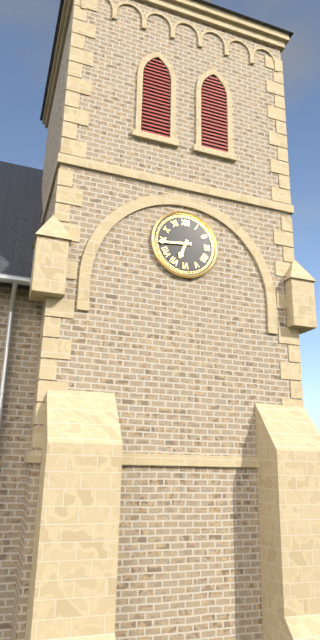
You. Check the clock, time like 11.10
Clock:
6.44
